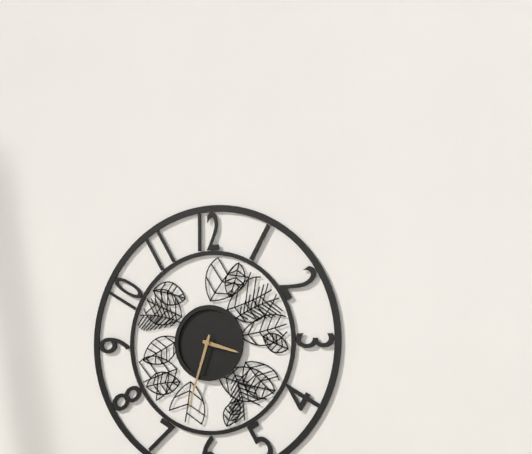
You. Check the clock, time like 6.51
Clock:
3.33
